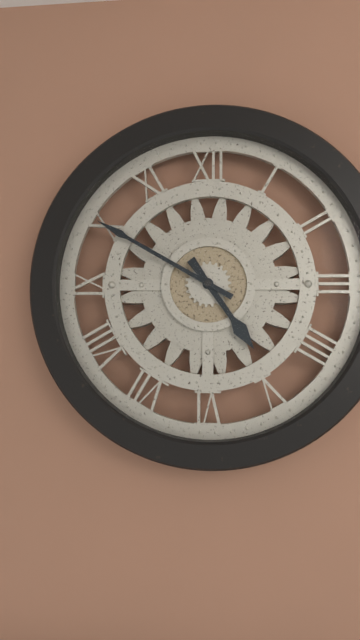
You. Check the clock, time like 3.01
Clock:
4.50
